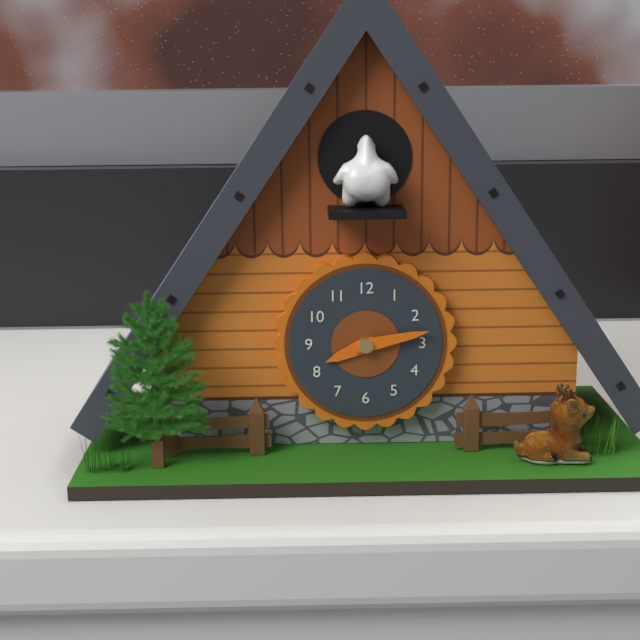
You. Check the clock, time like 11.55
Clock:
8.13
